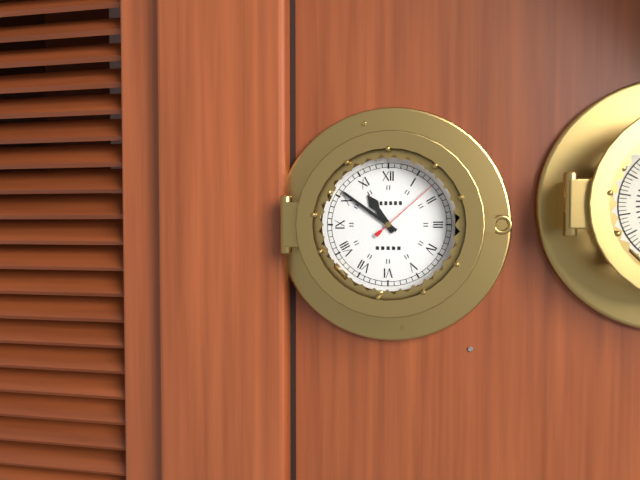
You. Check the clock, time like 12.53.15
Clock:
10.51.08
